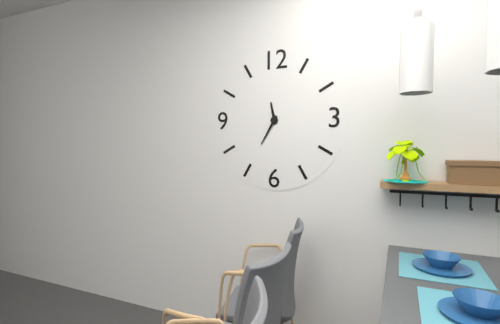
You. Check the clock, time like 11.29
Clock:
11.35
